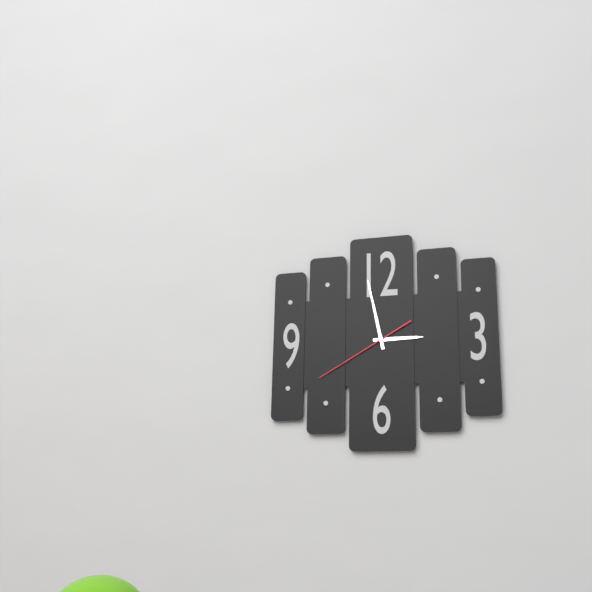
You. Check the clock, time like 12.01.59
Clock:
2.58.40
